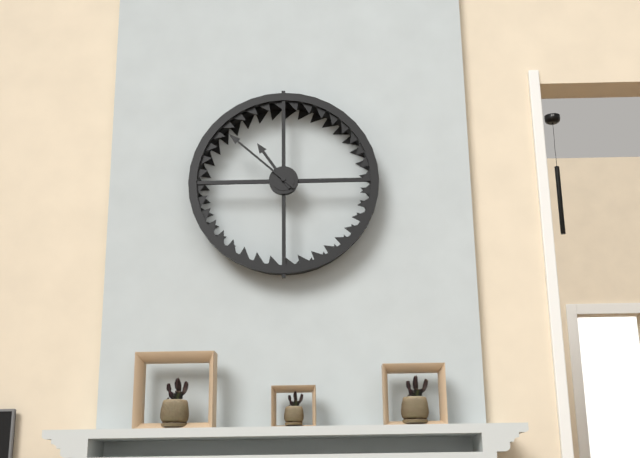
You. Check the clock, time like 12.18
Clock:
10.52
